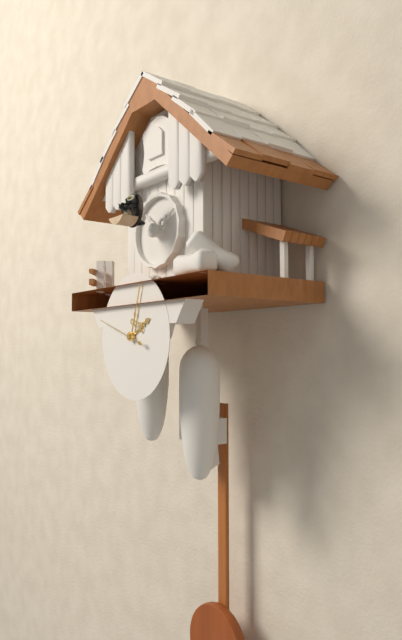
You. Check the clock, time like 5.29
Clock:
2.03
